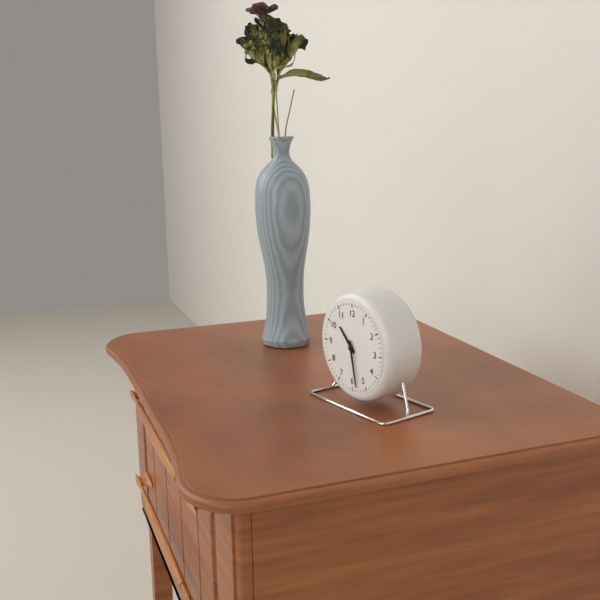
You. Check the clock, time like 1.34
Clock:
10.28
